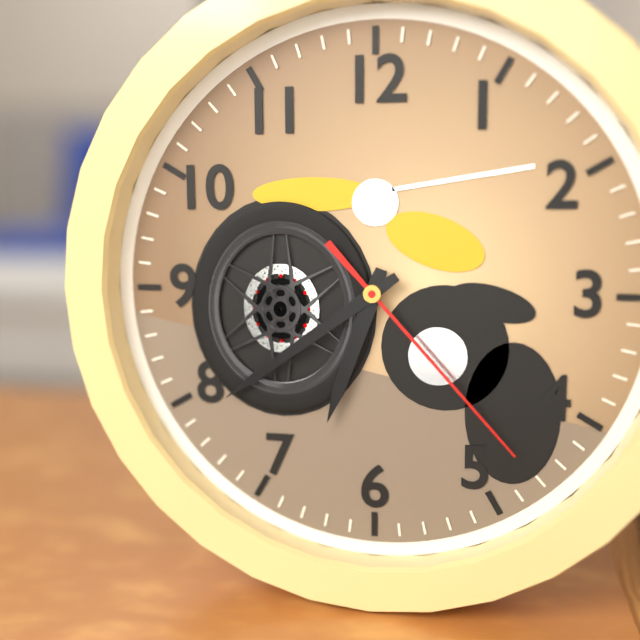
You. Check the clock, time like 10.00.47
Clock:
6.39.23
